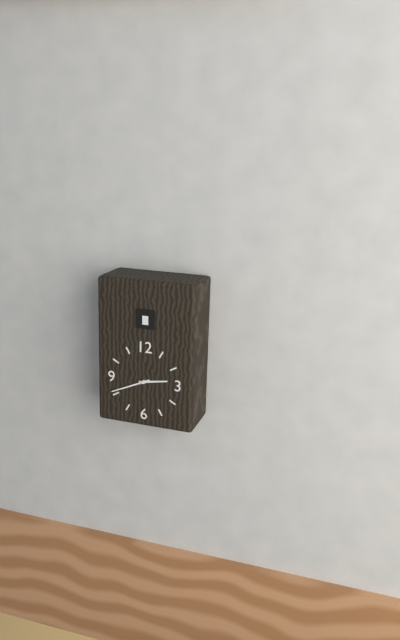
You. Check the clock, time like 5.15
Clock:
2.41
